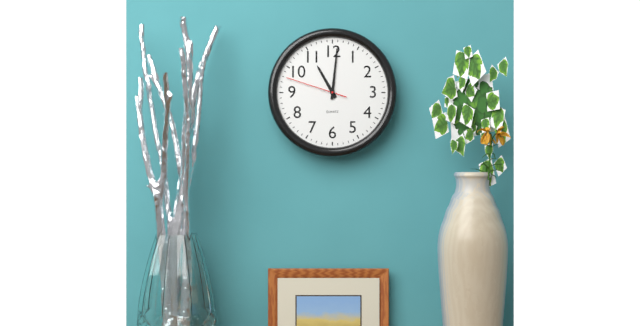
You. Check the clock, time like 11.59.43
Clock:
11.01.48
